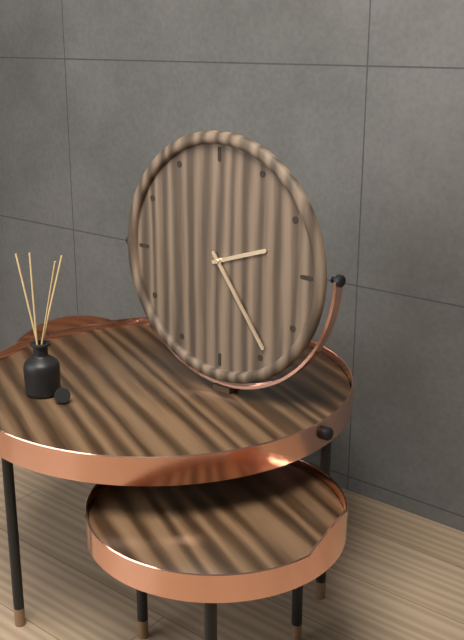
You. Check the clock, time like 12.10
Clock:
2.24
